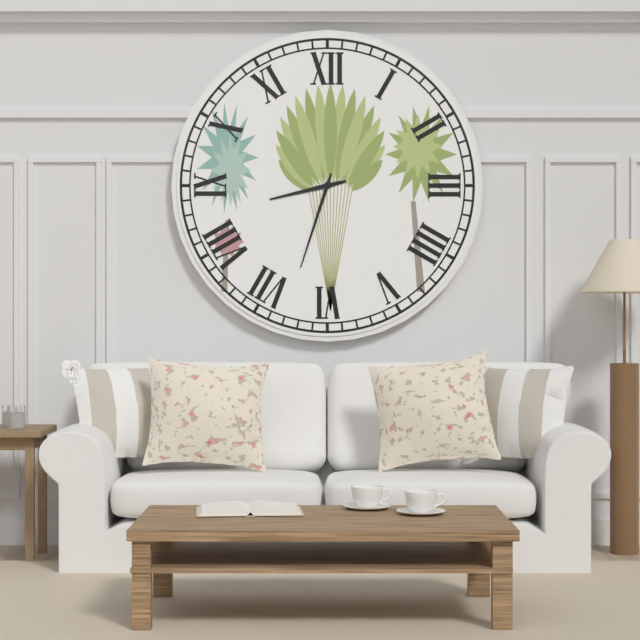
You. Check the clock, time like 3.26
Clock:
8.33
